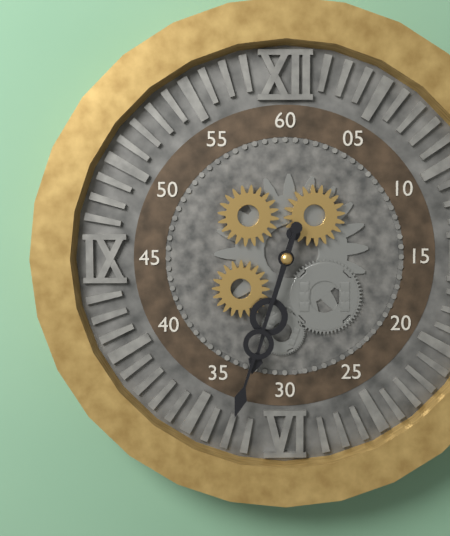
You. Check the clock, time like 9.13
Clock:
6.33
